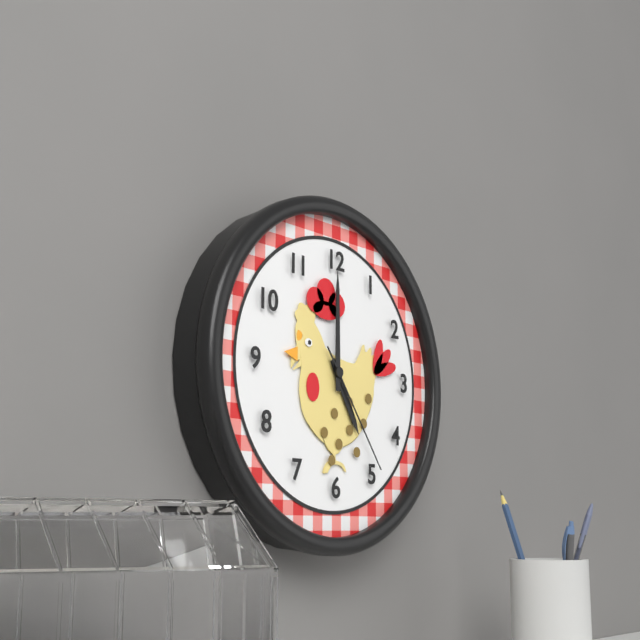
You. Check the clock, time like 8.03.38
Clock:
5.00.24
